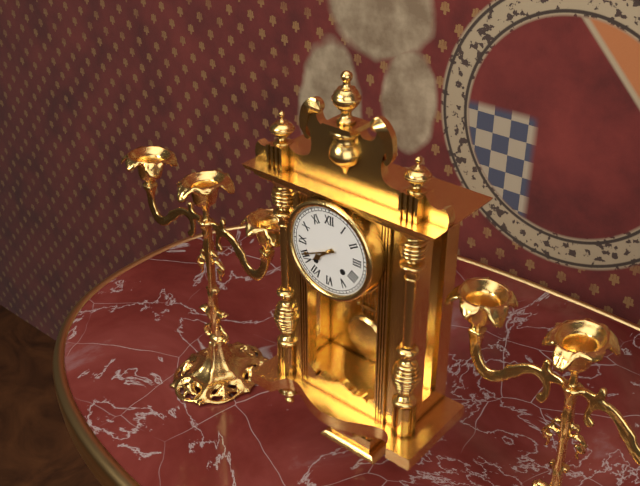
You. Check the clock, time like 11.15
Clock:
7.41
